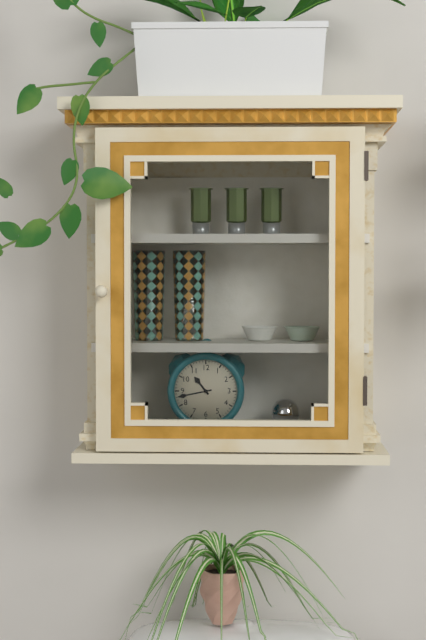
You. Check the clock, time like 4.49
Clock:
10.43
